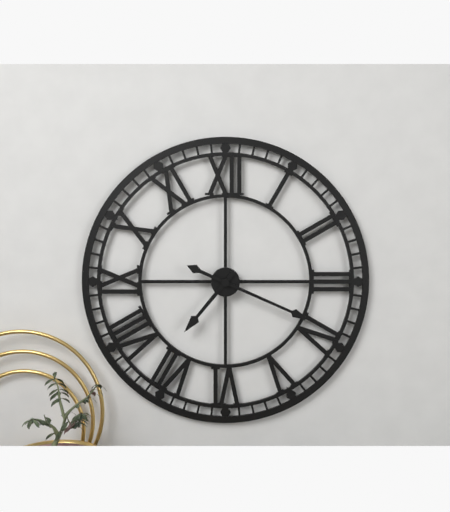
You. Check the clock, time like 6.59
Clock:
7.19
